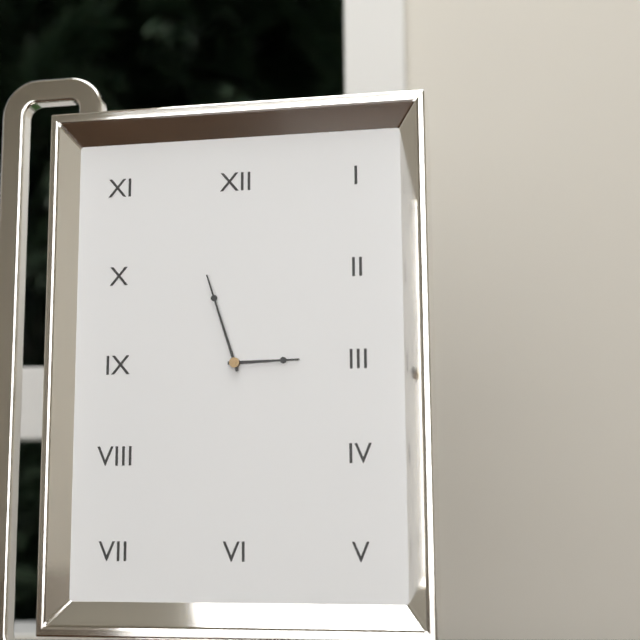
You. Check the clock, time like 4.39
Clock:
2.57
